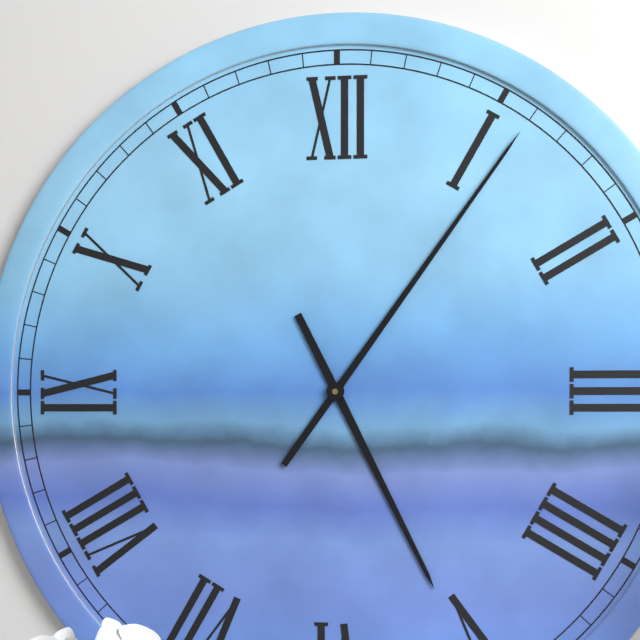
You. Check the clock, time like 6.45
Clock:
5.06
